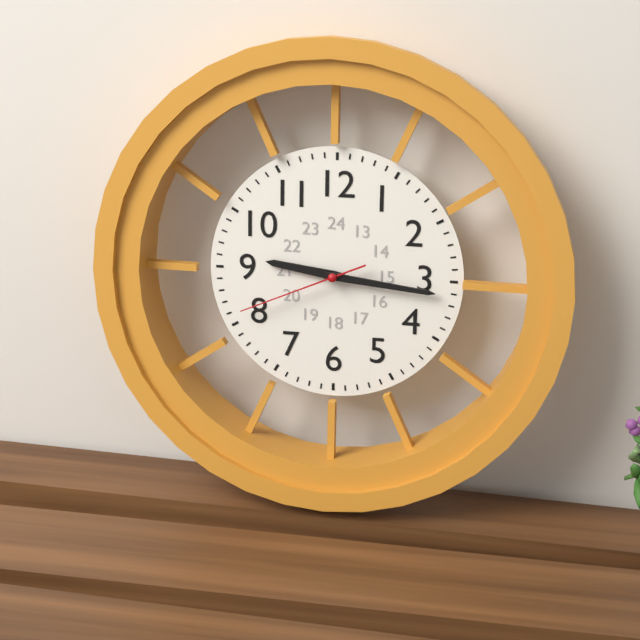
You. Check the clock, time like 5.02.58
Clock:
9.16.41
